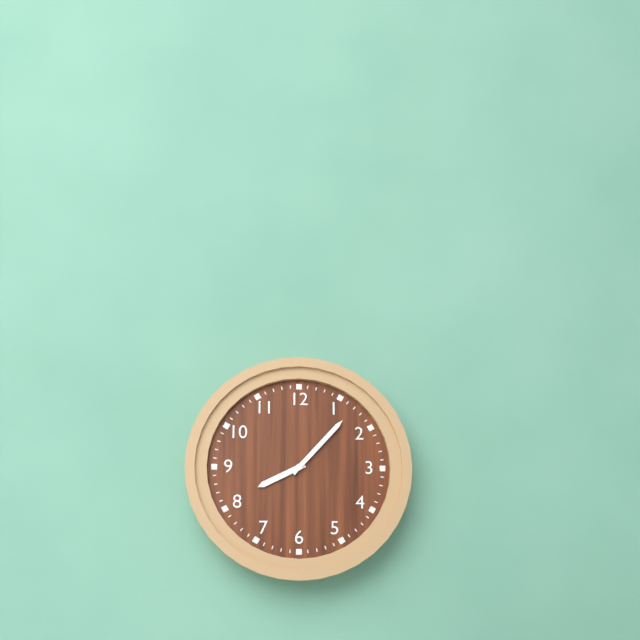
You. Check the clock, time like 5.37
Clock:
8.07
